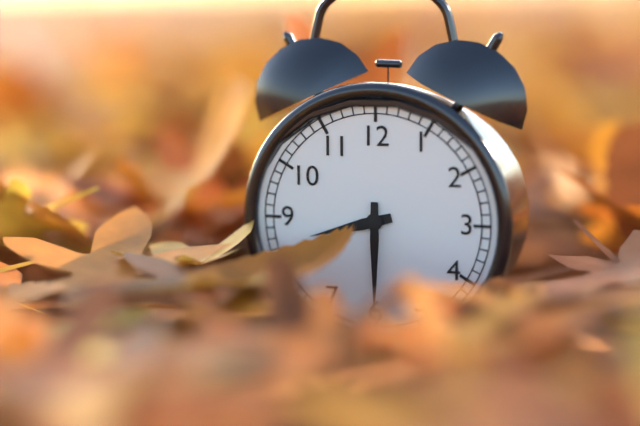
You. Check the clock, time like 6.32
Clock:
8.30
